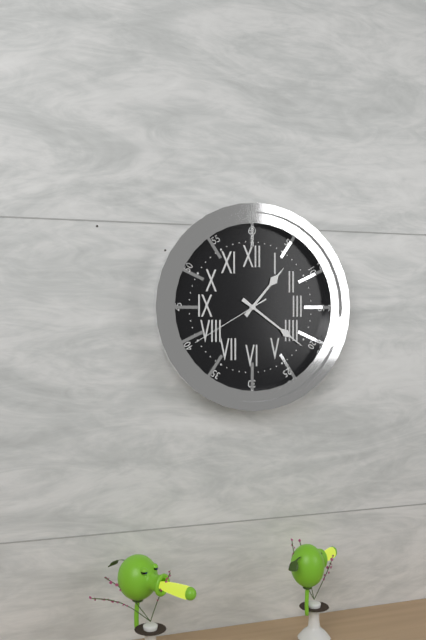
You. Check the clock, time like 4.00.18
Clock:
1.21.40
